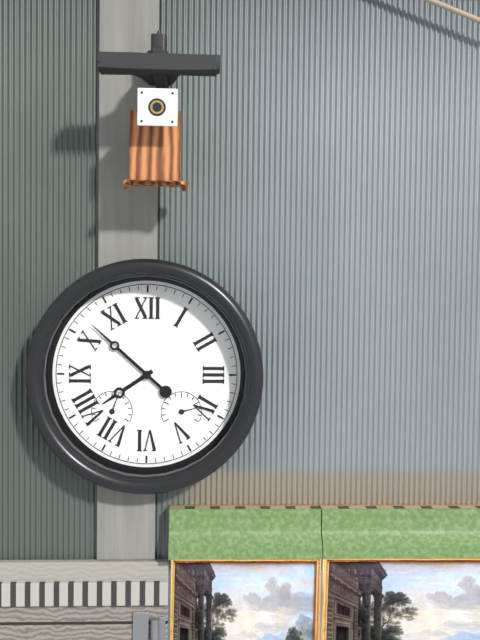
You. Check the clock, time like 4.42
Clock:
7.52
